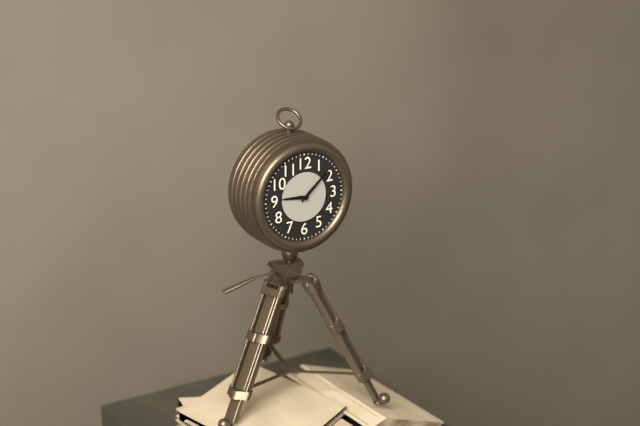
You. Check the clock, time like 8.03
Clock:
9.08
